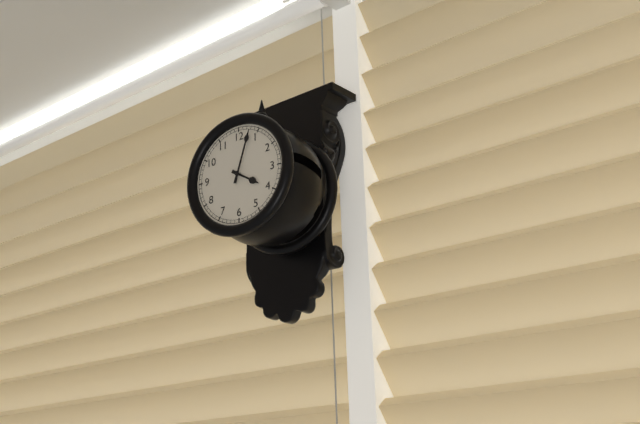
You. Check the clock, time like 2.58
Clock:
4.03
